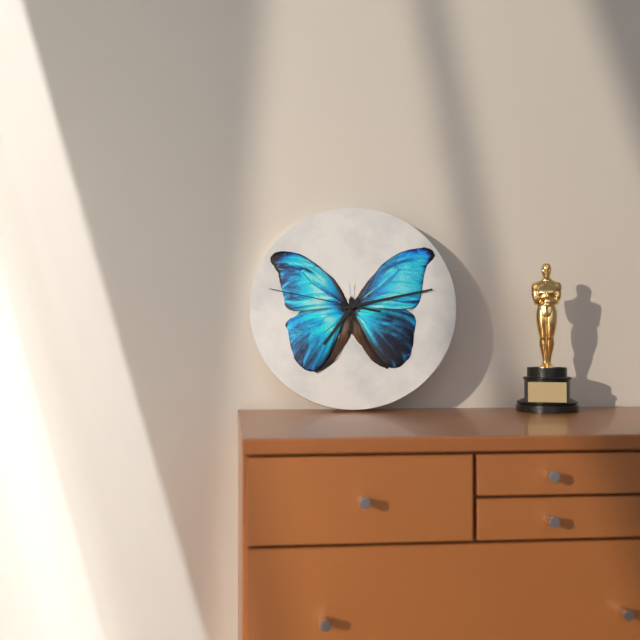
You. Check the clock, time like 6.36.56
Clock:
7.13.47
